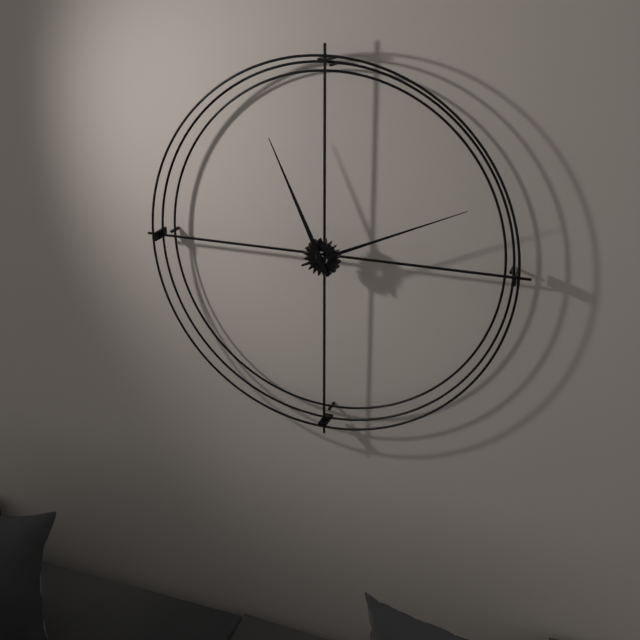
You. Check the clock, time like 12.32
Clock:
11.11
